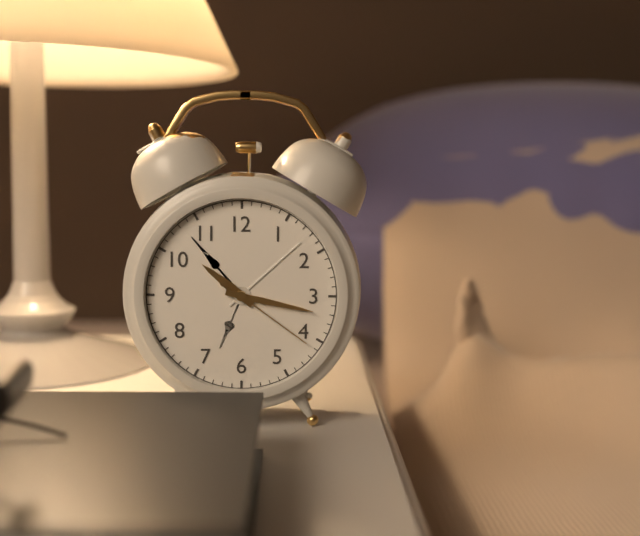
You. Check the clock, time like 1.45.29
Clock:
10.17.21
